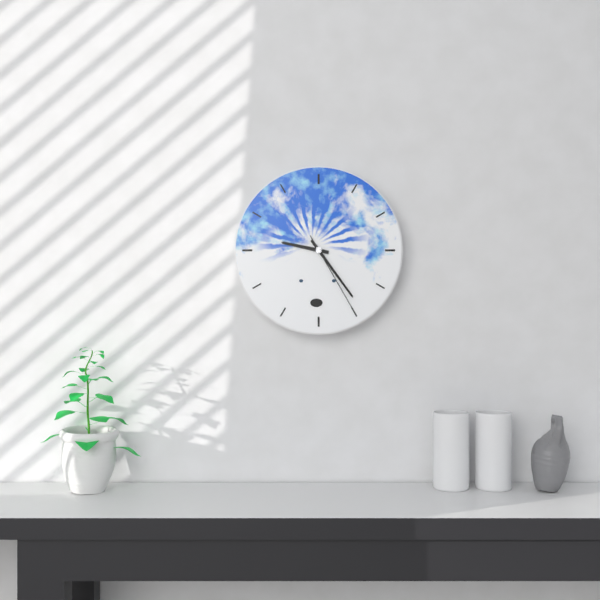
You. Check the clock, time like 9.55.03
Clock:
9.24.25
